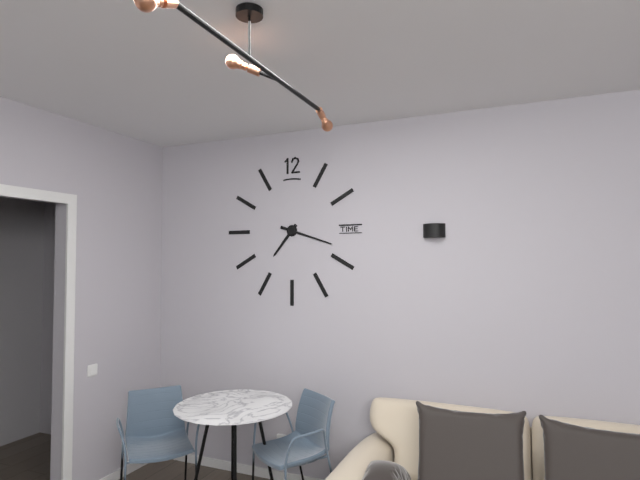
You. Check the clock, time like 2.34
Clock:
7.18
